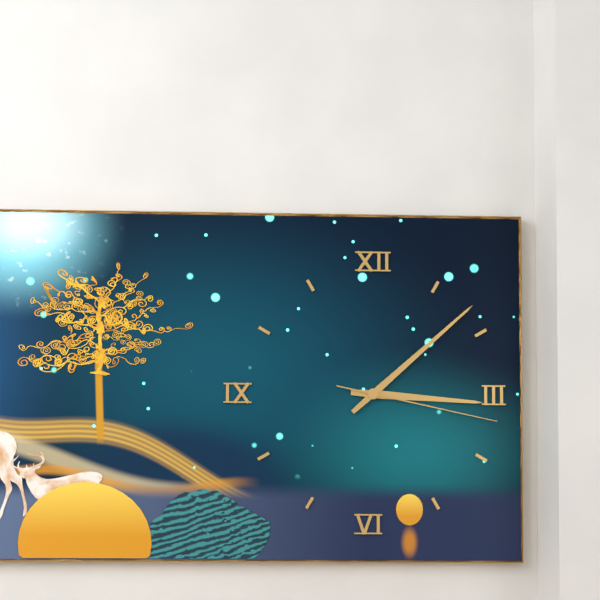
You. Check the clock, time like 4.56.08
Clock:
3.08.17
